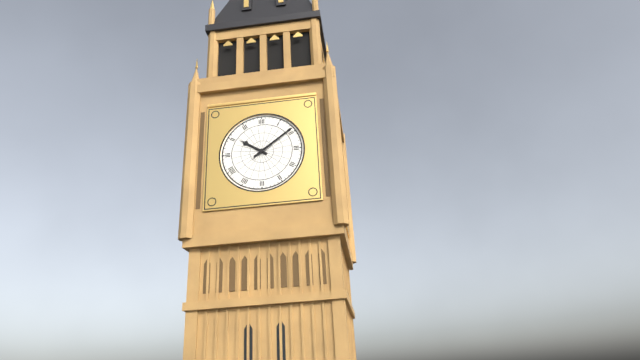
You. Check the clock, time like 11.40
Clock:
10.09
